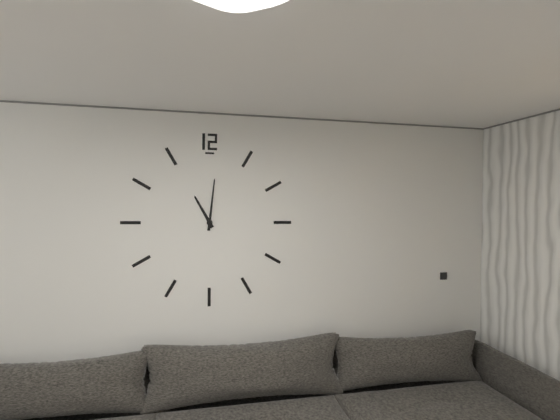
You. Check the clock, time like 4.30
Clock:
11.01
